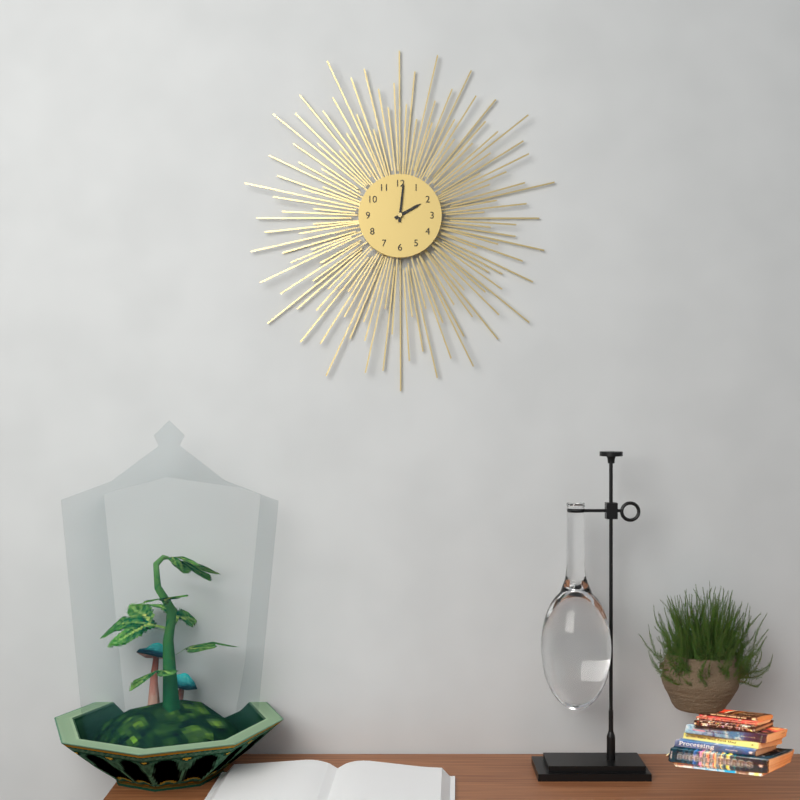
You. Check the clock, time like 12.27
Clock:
2.01
